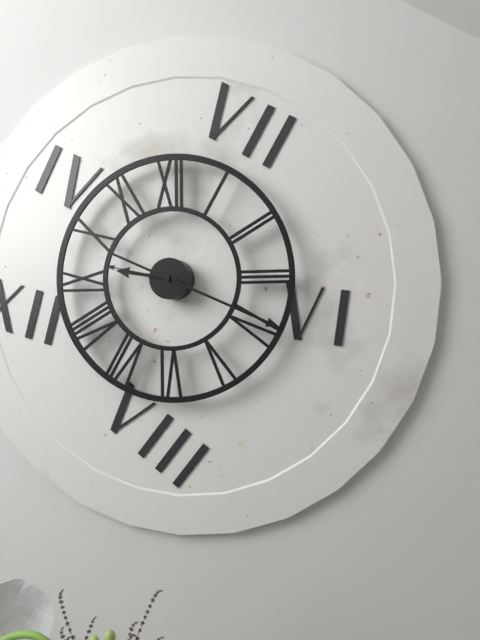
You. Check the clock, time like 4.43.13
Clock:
9.19.47
